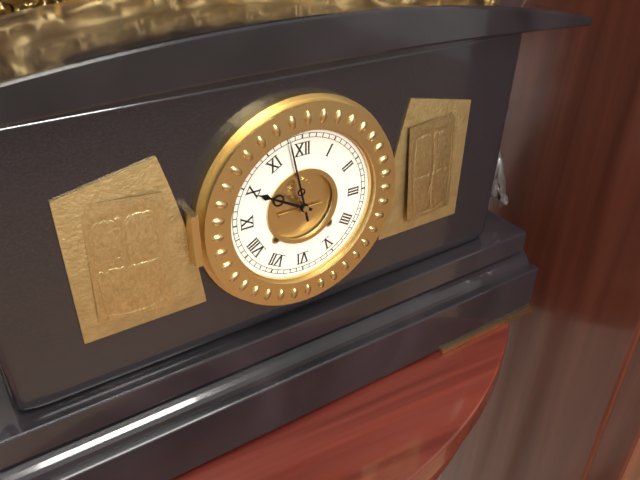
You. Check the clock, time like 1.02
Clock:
9.58
